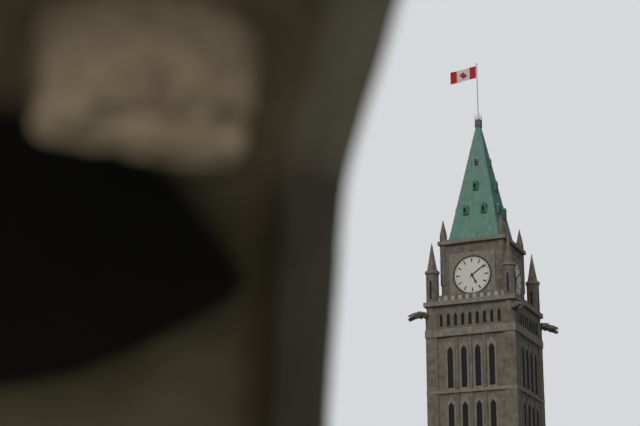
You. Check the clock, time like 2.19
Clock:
5.09
